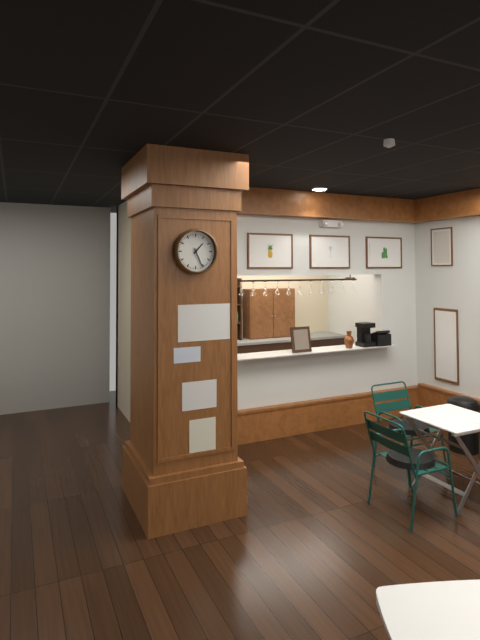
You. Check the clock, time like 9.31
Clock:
1.26
